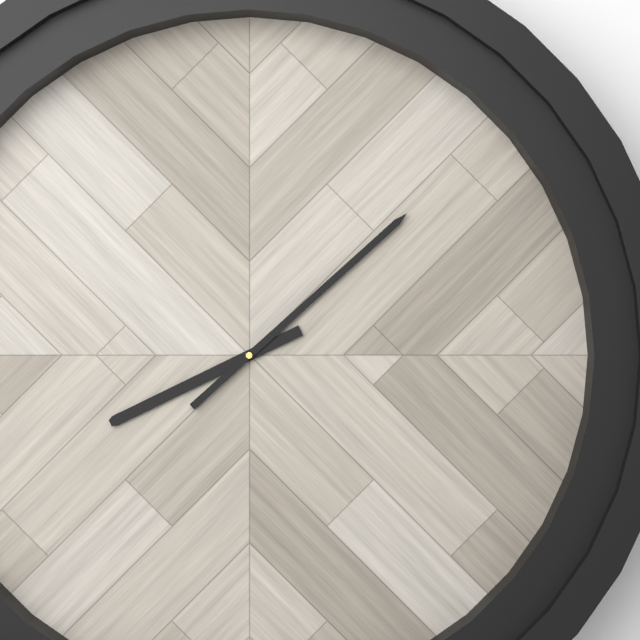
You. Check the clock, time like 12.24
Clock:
8.08
